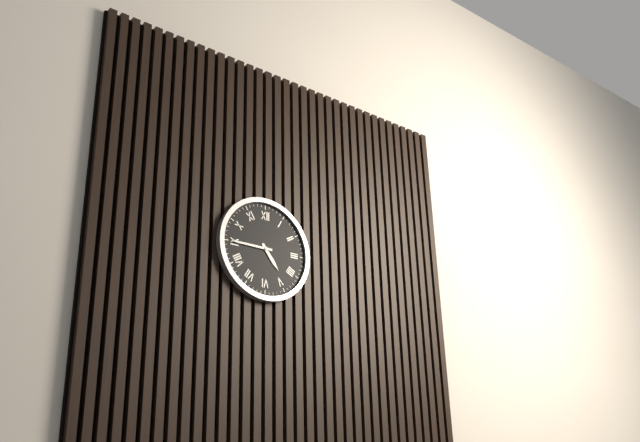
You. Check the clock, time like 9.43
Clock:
4.45
